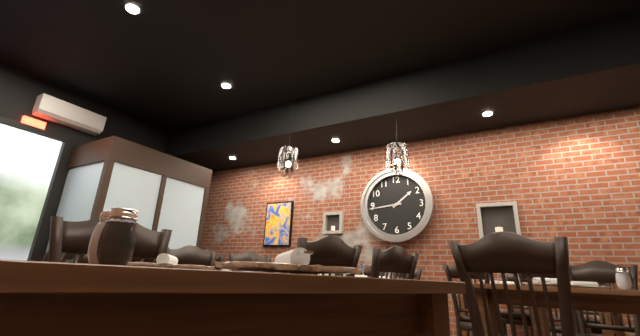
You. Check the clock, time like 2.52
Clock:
1.44
